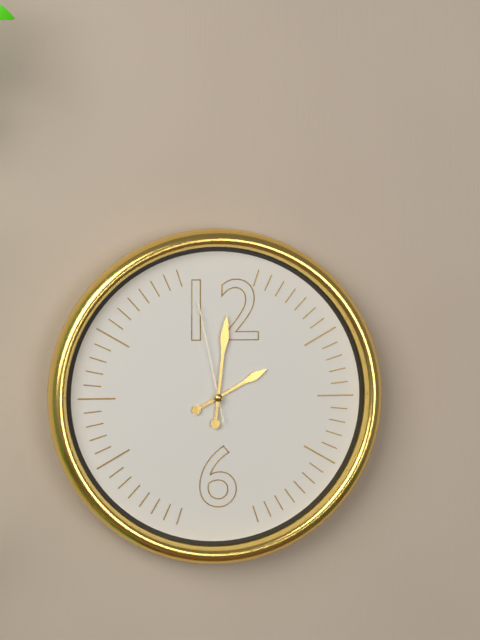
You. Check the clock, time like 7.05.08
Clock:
2.01.58
